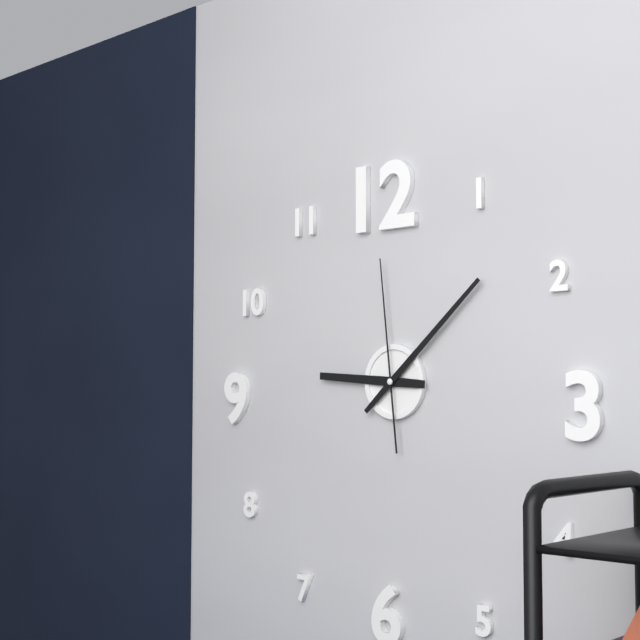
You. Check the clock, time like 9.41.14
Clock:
9.08.59
